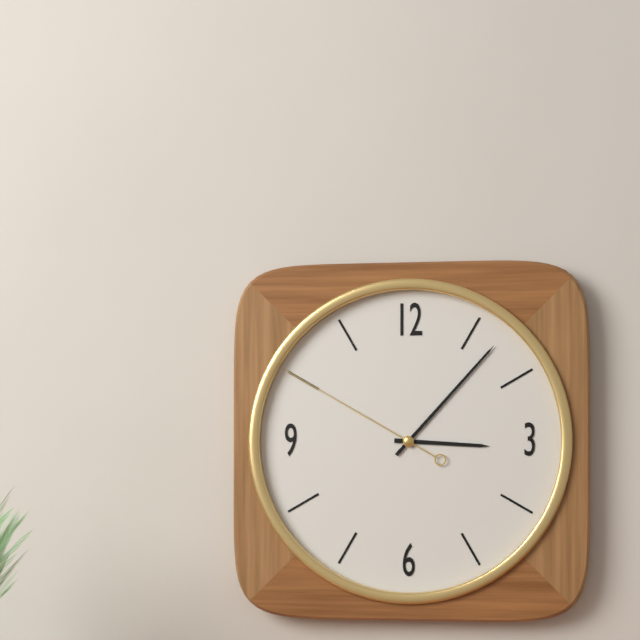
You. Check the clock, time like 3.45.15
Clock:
3.07.50
